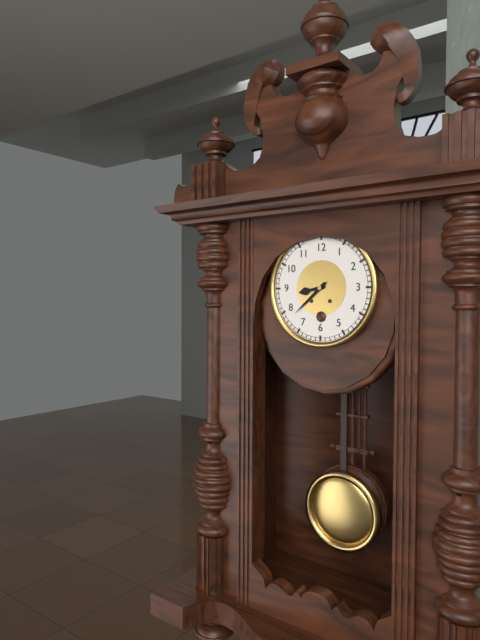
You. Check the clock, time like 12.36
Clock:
8.38
